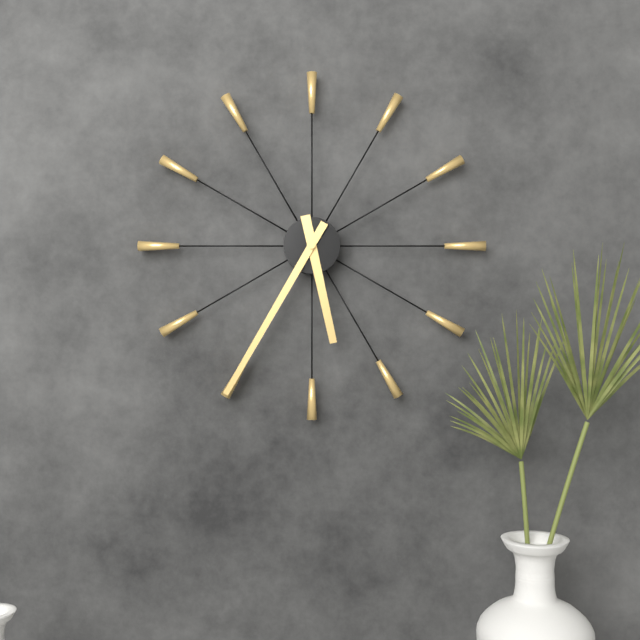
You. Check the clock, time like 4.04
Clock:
5.35
